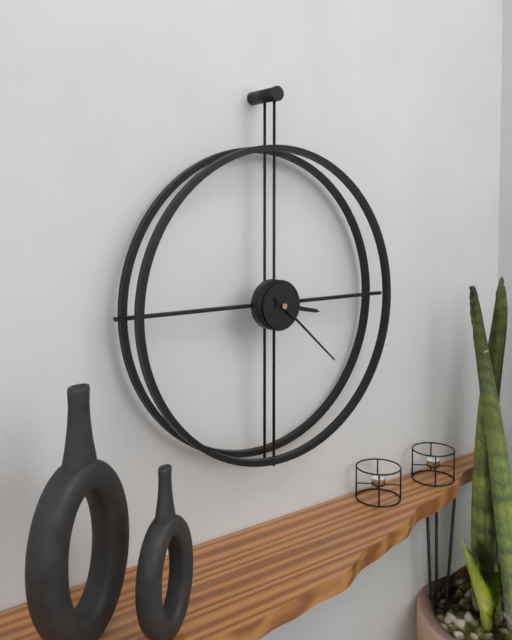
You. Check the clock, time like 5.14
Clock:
3.22
